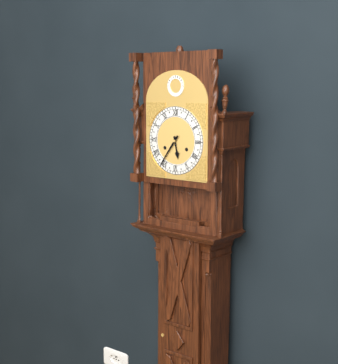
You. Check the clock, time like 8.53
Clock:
5.36
